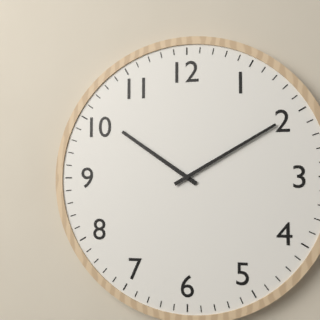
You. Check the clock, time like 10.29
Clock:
10.10
